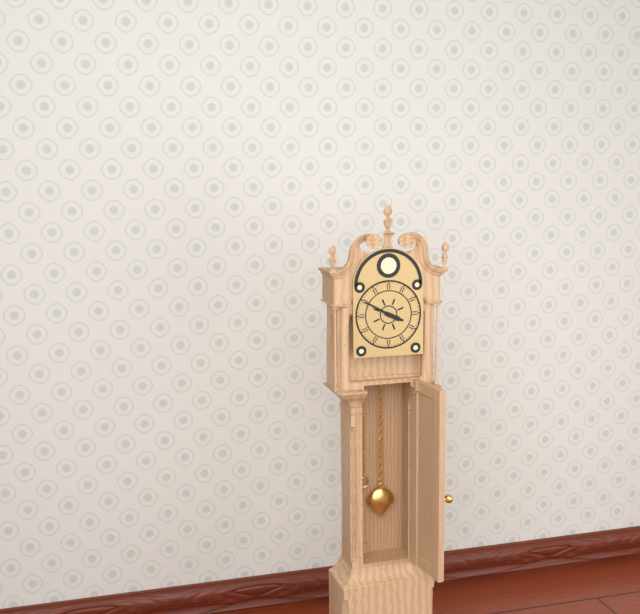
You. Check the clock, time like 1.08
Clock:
3.50
